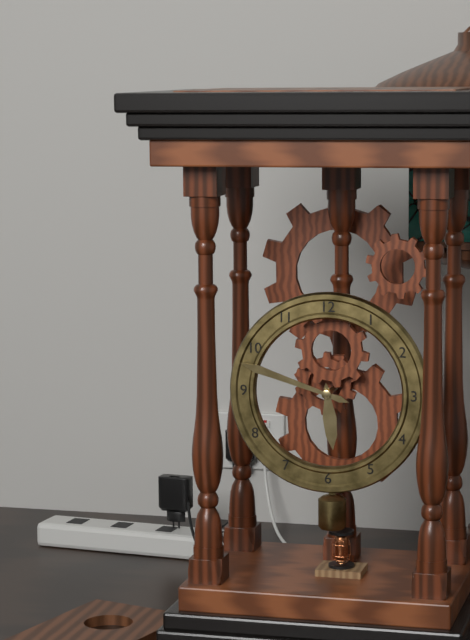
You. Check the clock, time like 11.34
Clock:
5.48
